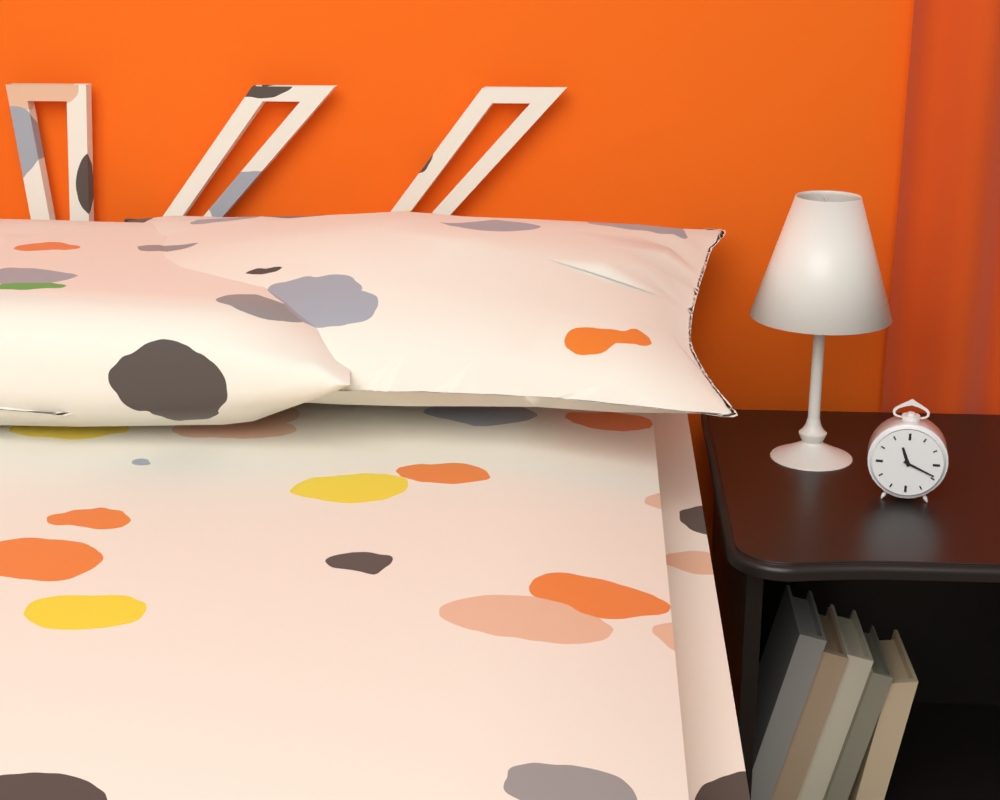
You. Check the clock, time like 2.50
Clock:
11.19
